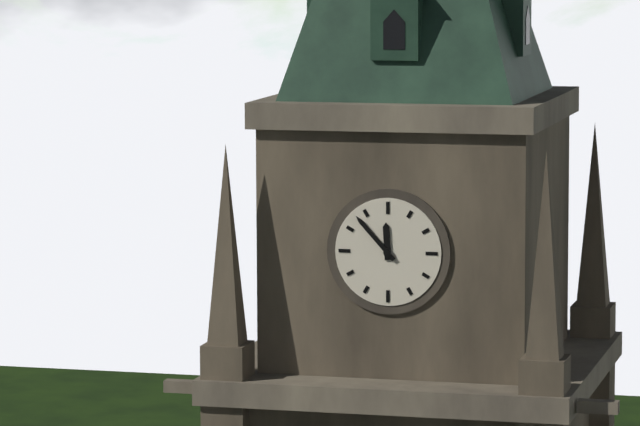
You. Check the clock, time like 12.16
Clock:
11.53
